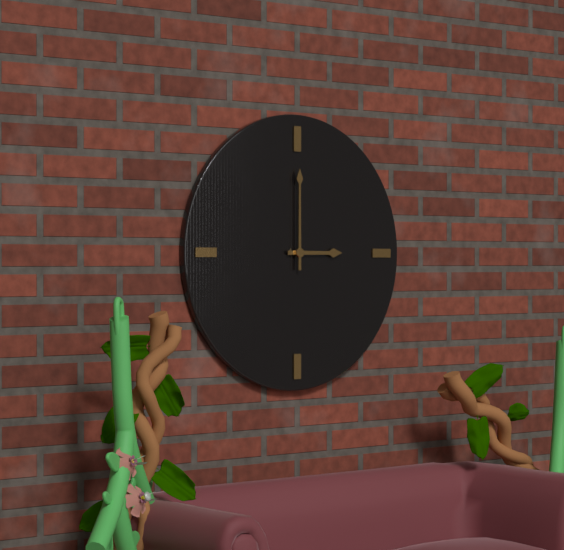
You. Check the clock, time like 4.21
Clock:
3.00
